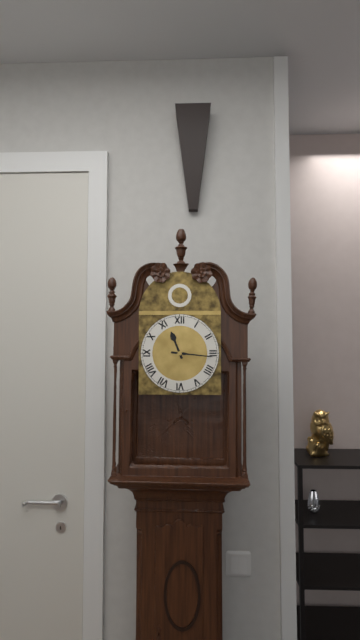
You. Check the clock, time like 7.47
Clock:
11.16
